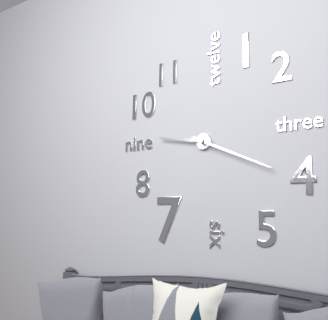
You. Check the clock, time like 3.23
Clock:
9.19
